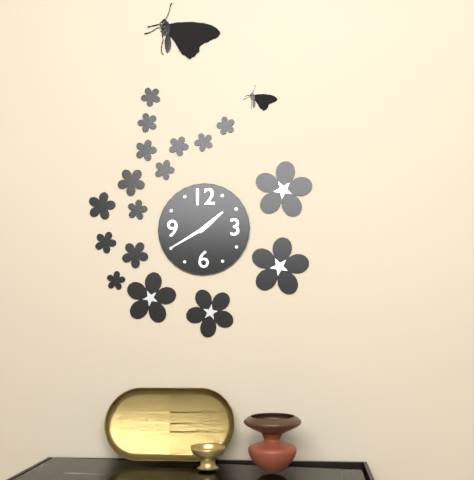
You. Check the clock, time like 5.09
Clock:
1.40
